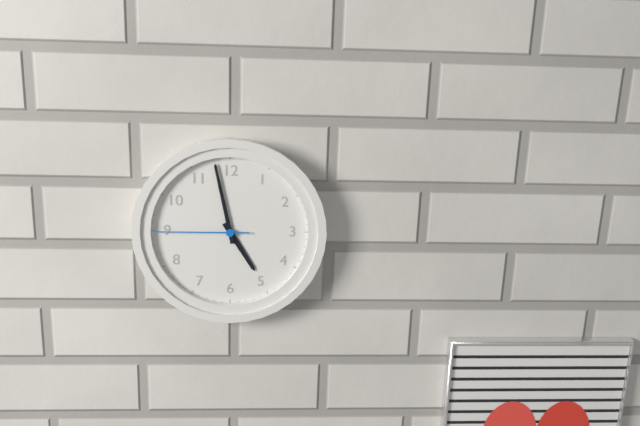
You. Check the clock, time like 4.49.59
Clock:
4.58.45
